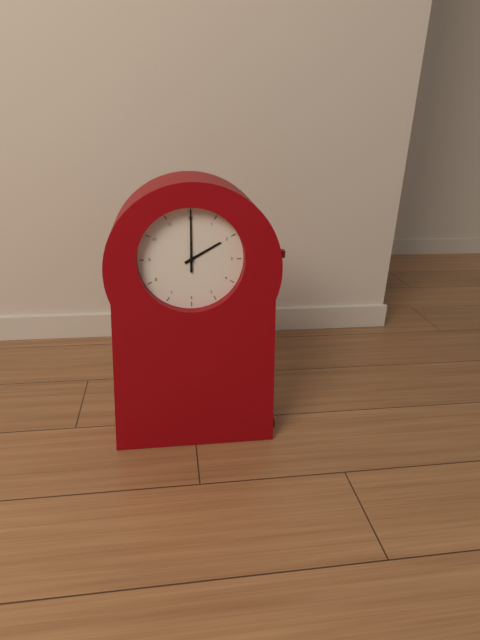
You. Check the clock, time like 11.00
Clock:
2.00
